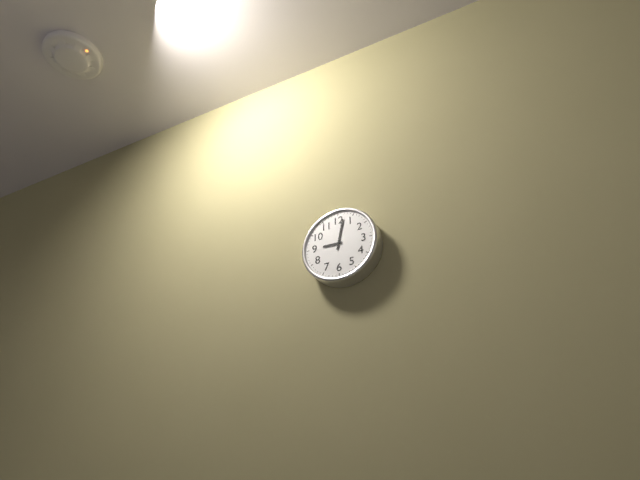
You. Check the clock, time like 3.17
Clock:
9.02
